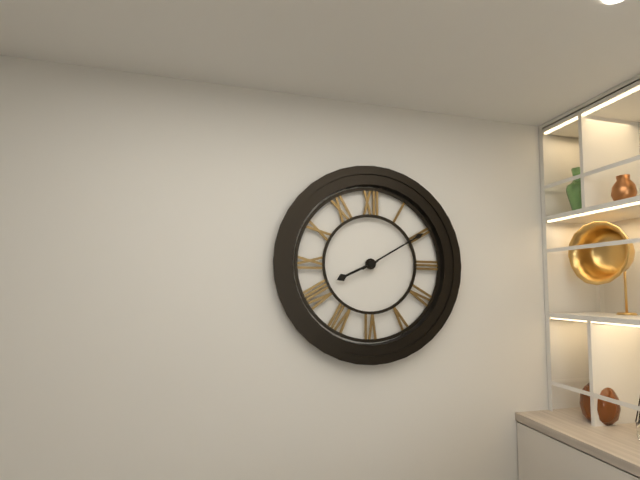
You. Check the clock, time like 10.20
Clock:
8.10
